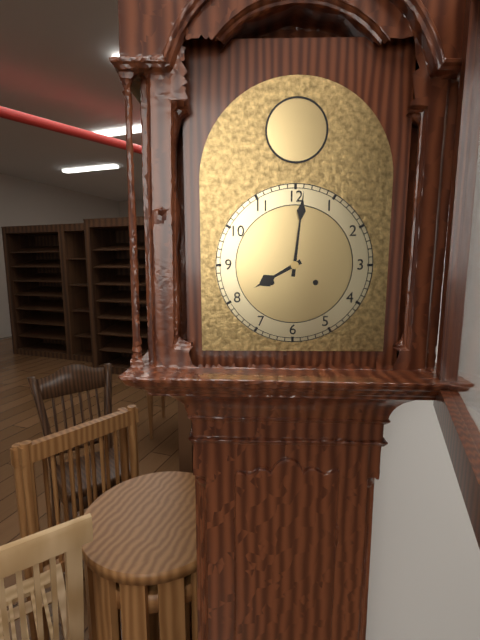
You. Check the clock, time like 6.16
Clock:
8.01
